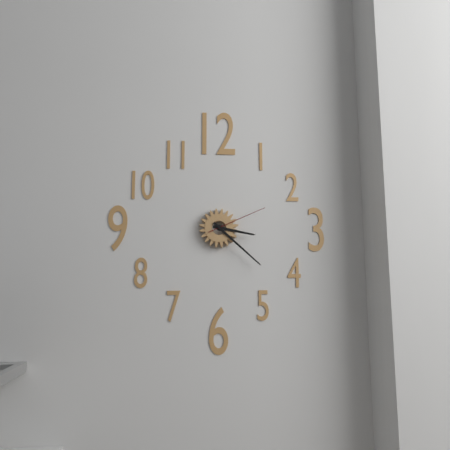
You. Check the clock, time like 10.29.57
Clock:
3.22.11
